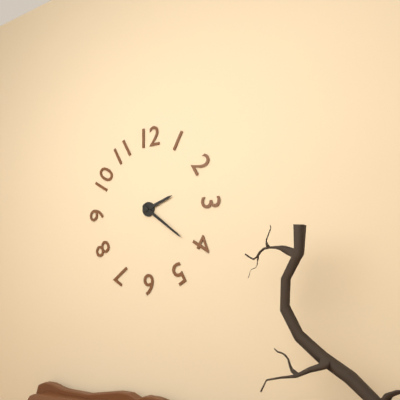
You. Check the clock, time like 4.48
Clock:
2.21
